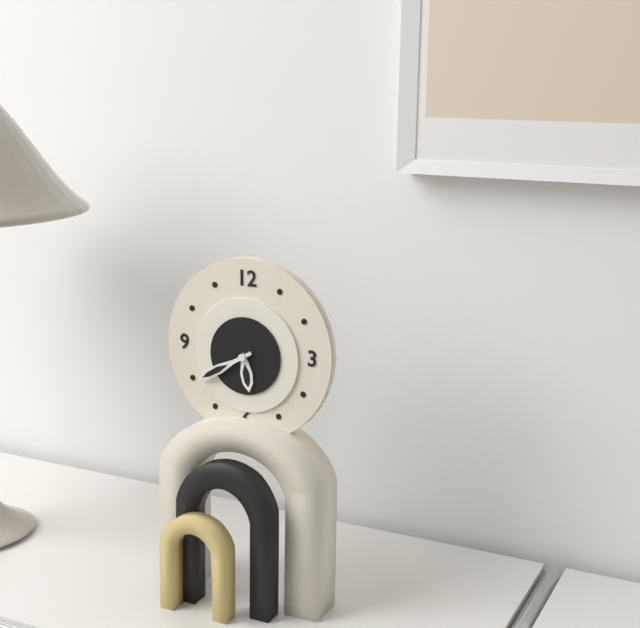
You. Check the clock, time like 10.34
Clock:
5.40
